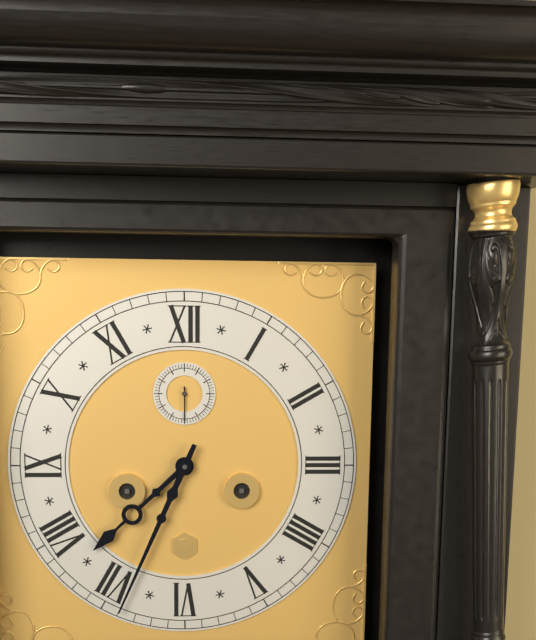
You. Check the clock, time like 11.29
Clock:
7.34
